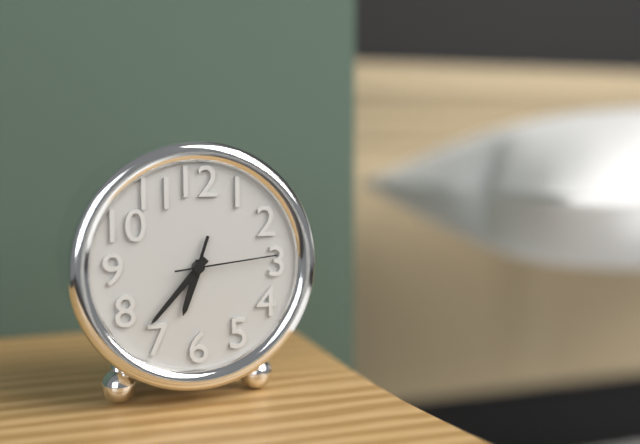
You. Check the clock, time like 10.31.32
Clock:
6.37.14
